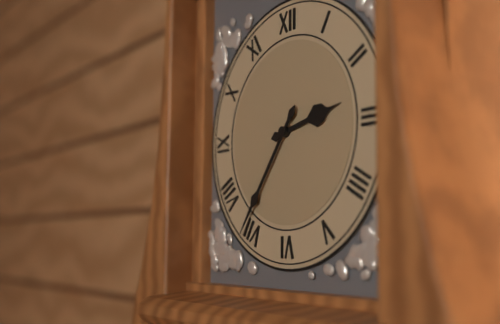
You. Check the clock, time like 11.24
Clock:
2.36
